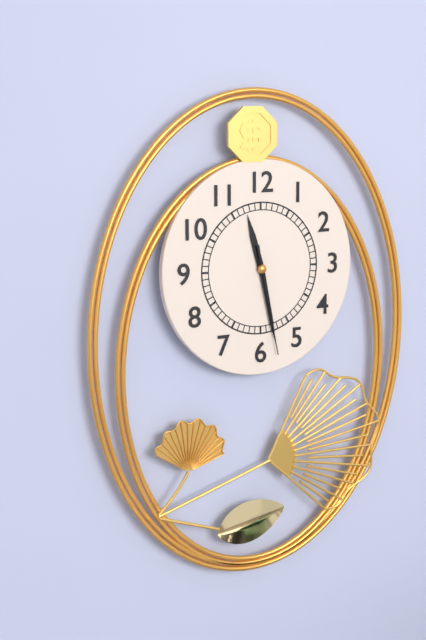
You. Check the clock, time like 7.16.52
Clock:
11.28.28
